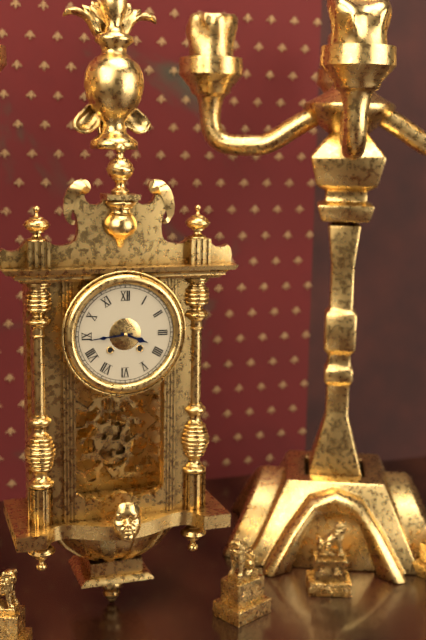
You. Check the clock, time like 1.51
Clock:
3.44
